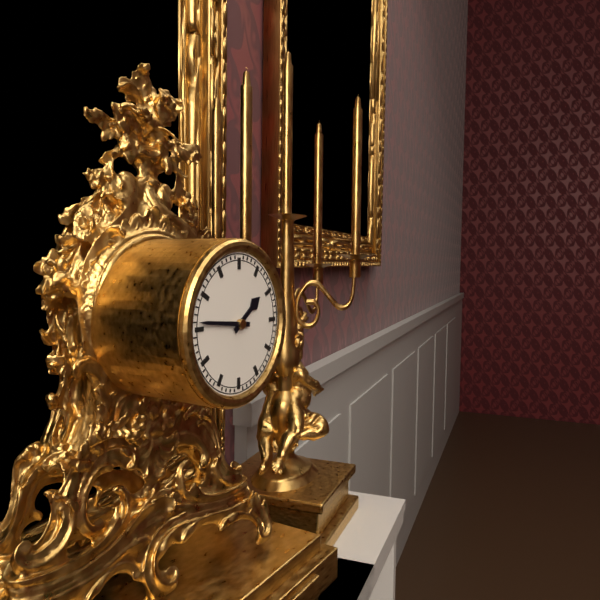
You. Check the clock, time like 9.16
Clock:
1.46
